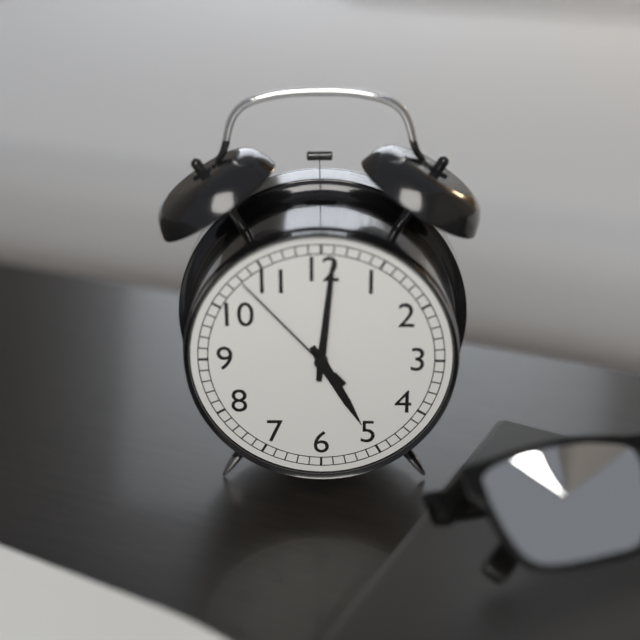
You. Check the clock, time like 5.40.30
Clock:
5.01.53
